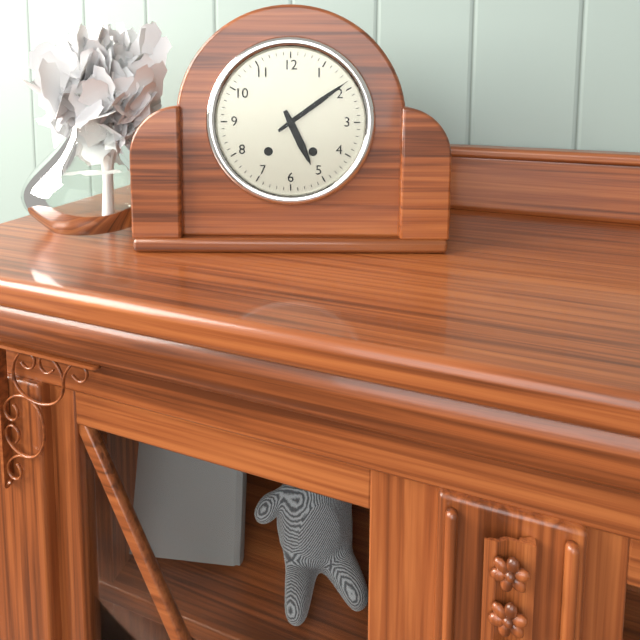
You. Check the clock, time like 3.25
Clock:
5.09
